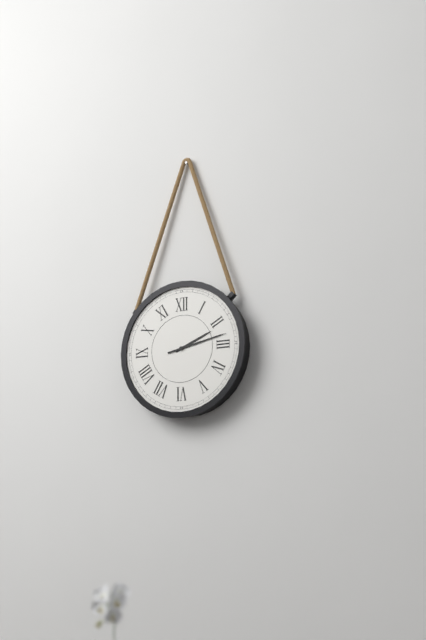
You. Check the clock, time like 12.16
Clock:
2.13
